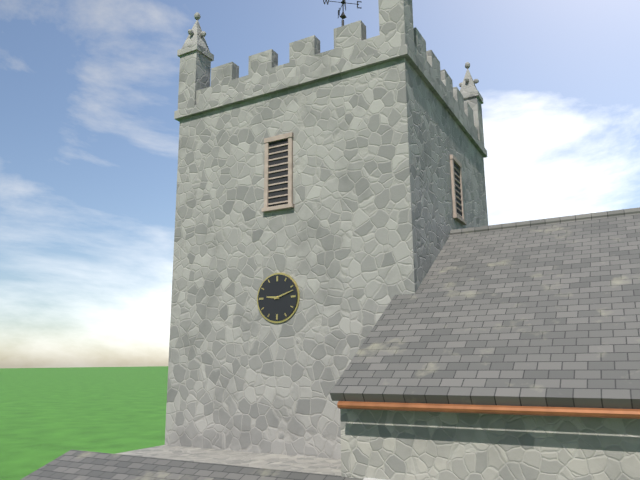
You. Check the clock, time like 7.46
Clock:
9.12
